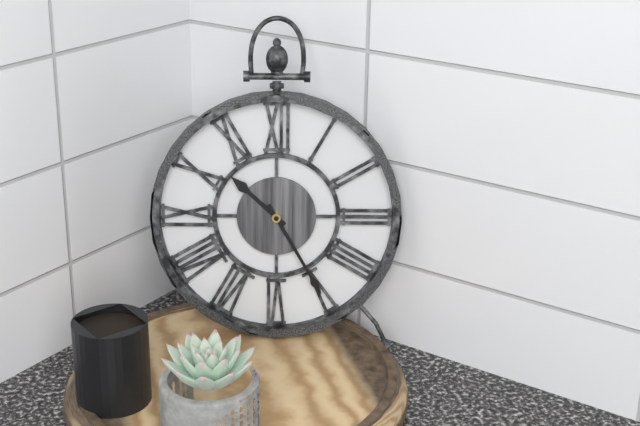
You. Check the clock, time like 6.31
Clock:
10.25
